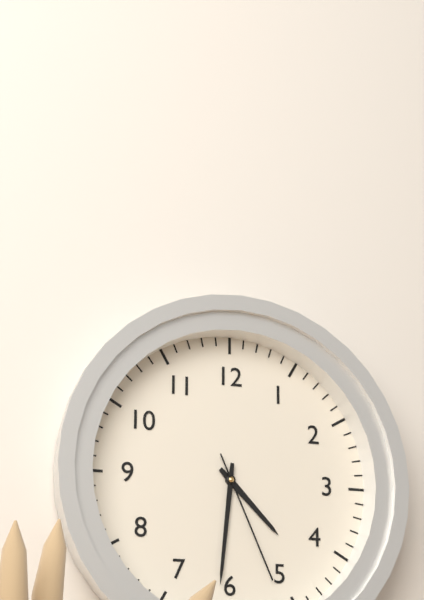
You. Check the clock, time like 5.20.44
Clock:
4.31.26
